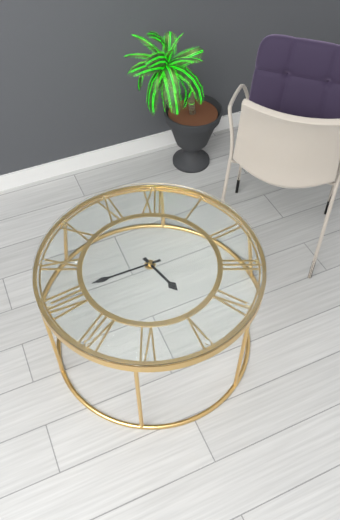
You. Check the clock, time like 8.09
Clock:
4.41
